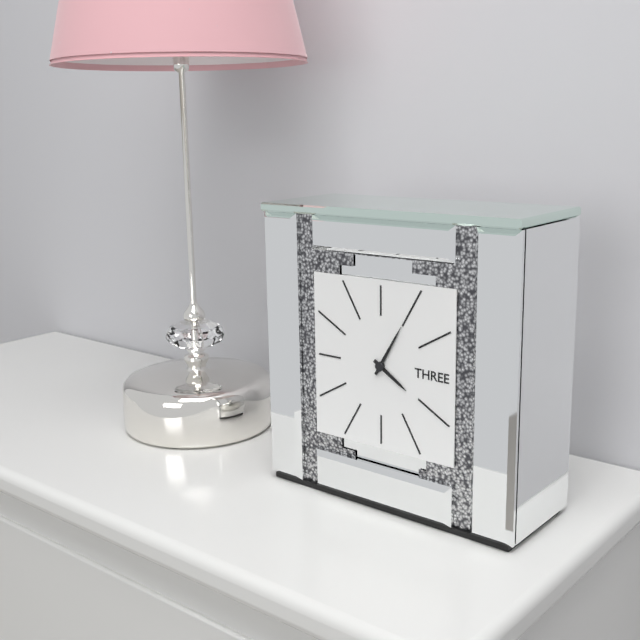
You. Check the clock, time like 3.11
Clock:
4.05
